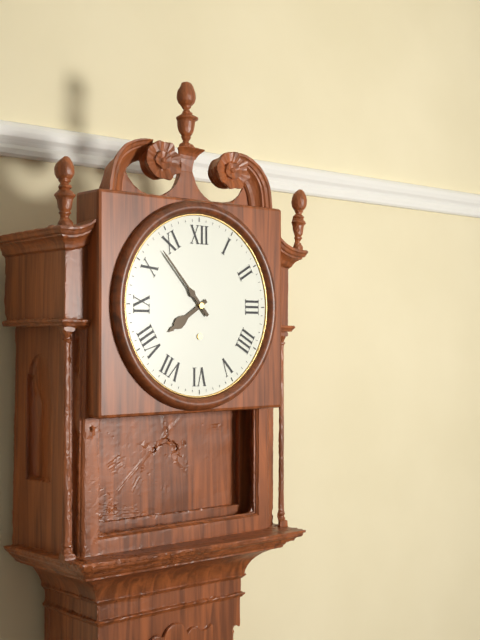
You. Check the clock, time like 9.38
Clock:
7.53
